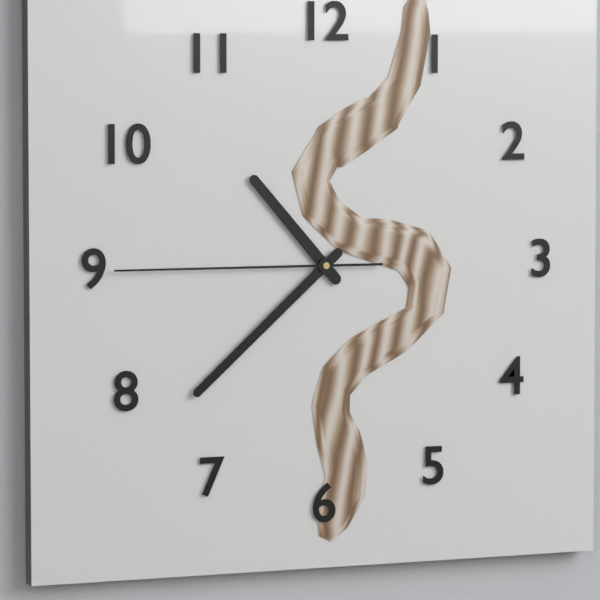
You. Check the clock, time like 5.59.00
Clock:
10.38.45
